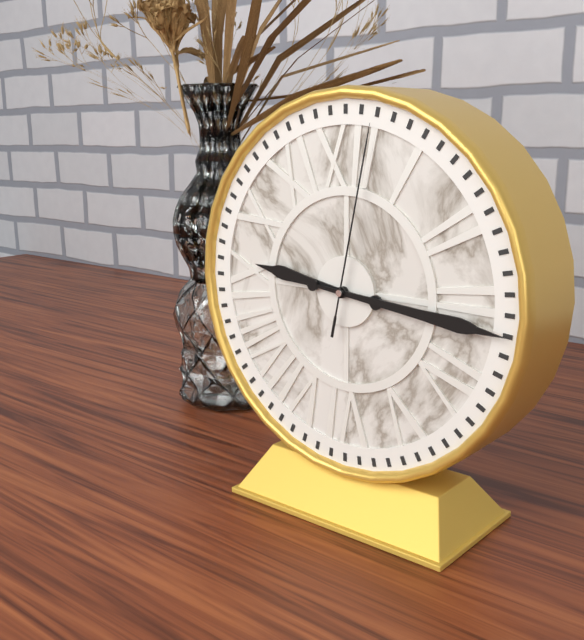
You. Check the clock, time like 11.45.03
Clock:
9.16.02
